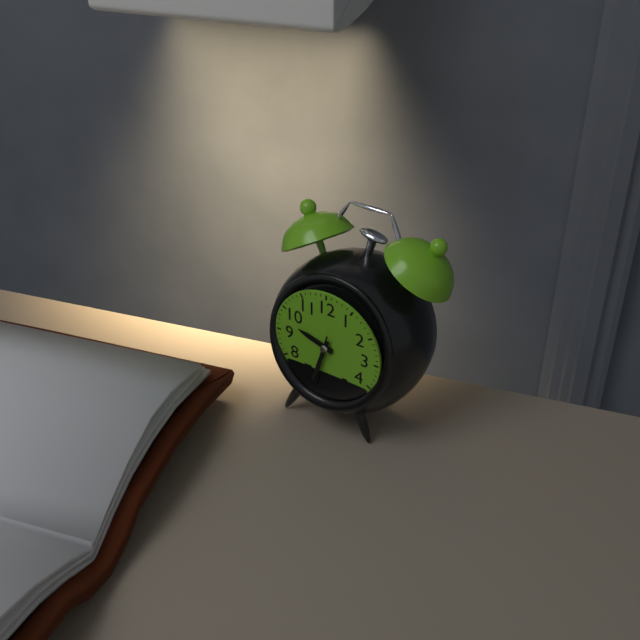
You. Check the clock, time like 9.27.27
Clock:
9.33.32
